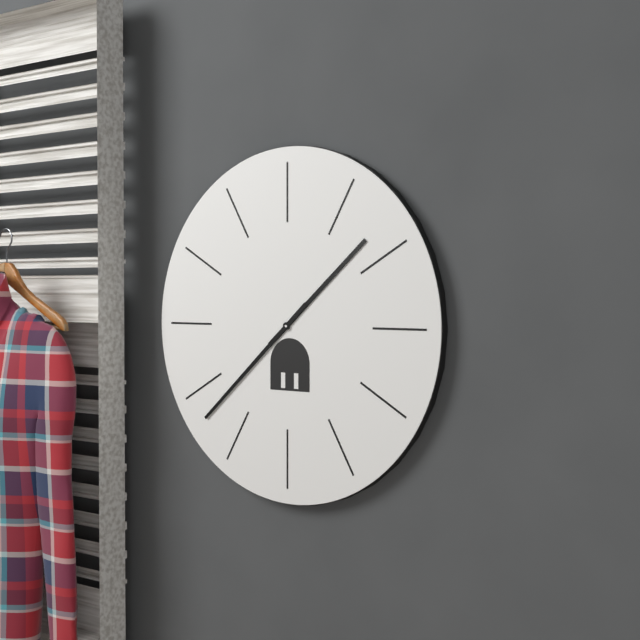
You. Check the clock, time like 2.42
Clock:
1.38
